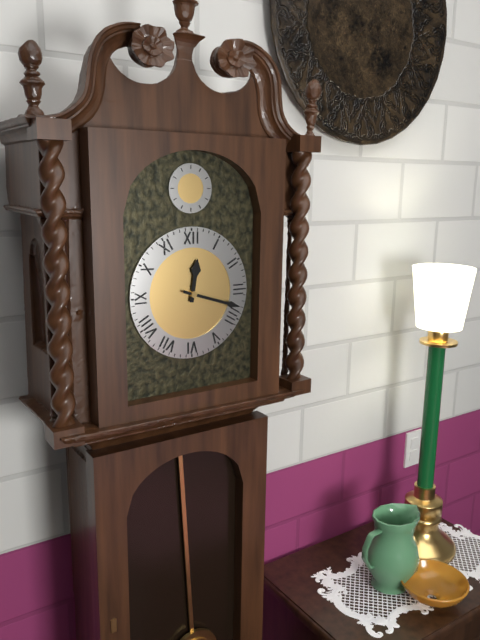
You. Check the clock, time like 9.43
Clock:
12.18
